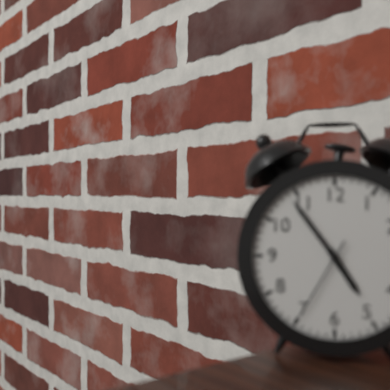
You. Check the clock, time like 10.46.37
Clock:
4.54.35
